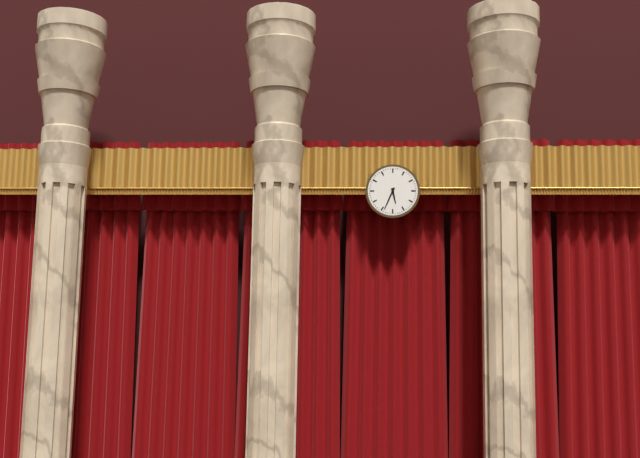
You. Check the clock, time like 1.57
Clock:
5.34
